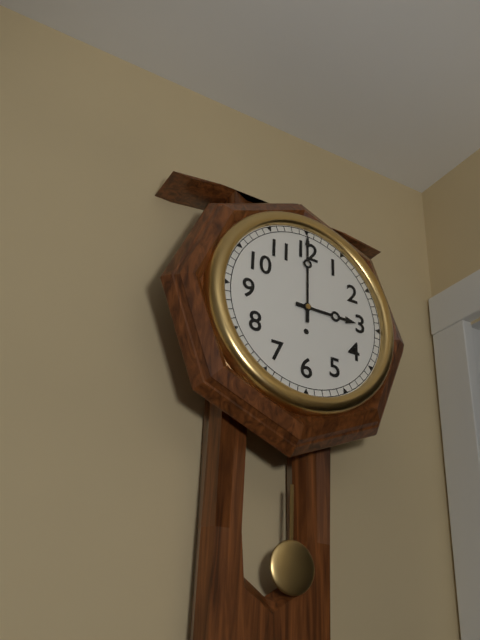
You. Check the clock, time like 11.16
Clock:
3.00
